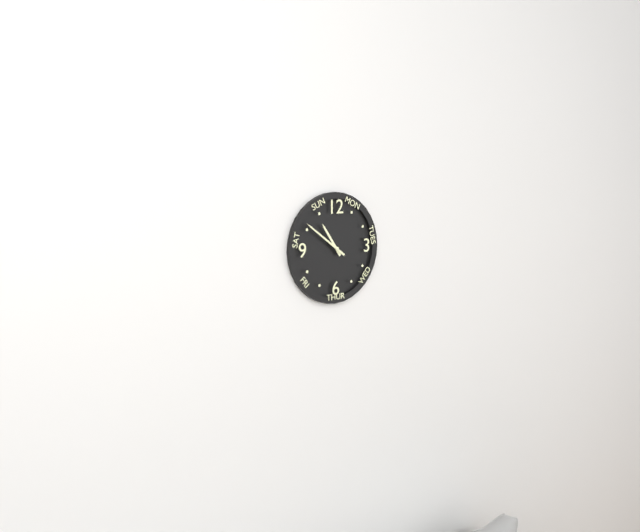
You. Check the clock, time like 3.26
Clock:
10.51
